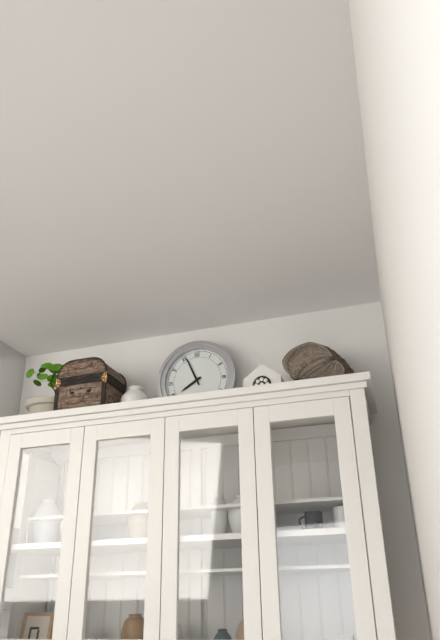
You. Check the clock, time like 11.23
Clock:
7.56
